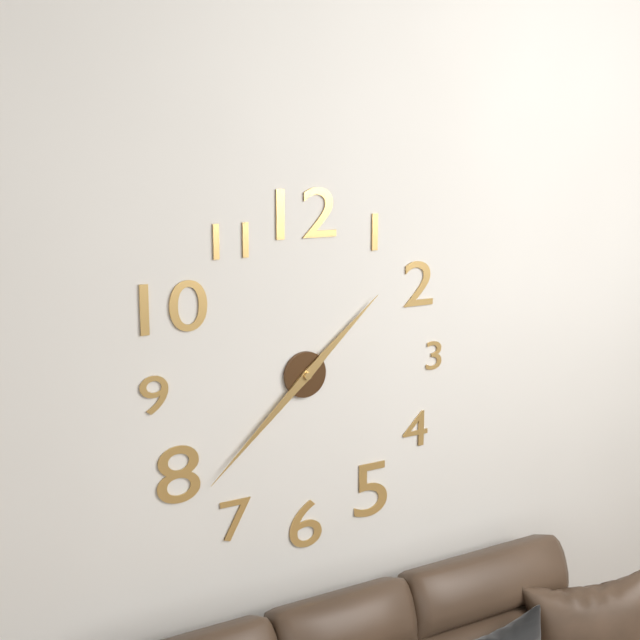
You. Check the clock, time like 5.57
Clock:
1.38
